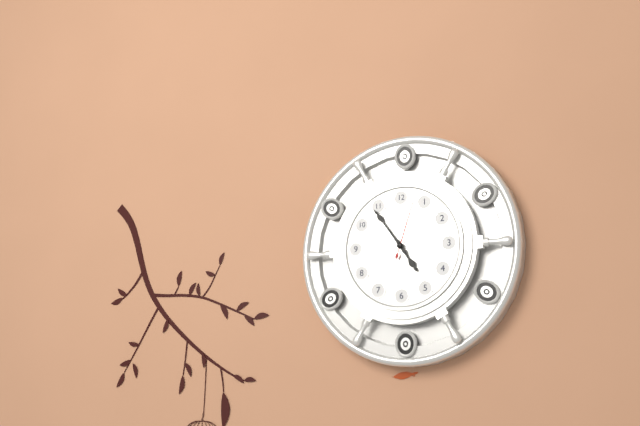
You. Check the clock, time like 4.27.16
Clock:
4.54.03
